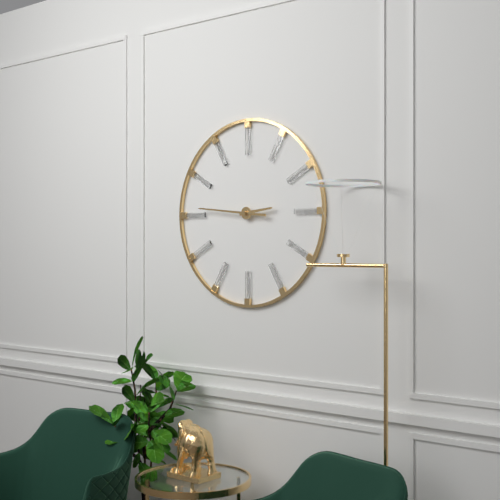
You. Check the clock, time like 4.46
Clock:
2.46
